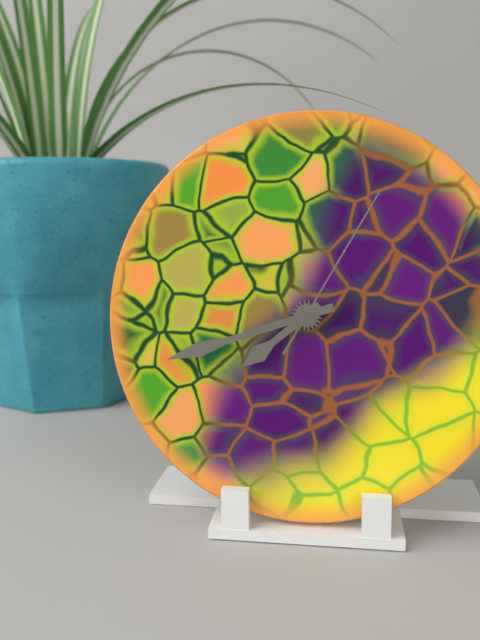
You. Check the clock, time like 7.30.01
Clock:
7.42.05
